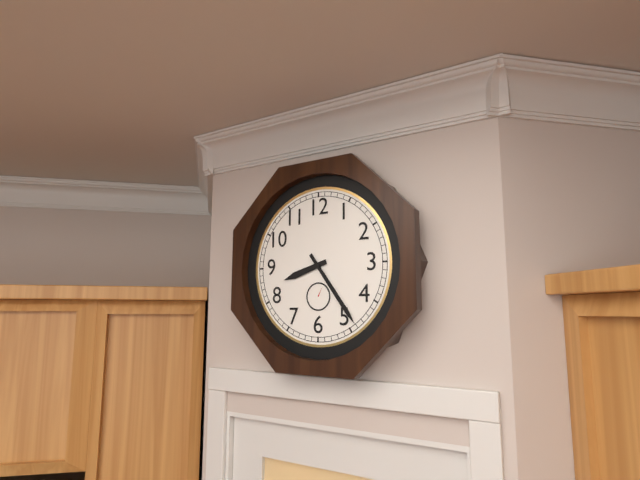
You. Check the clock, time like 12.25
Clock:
8.24
